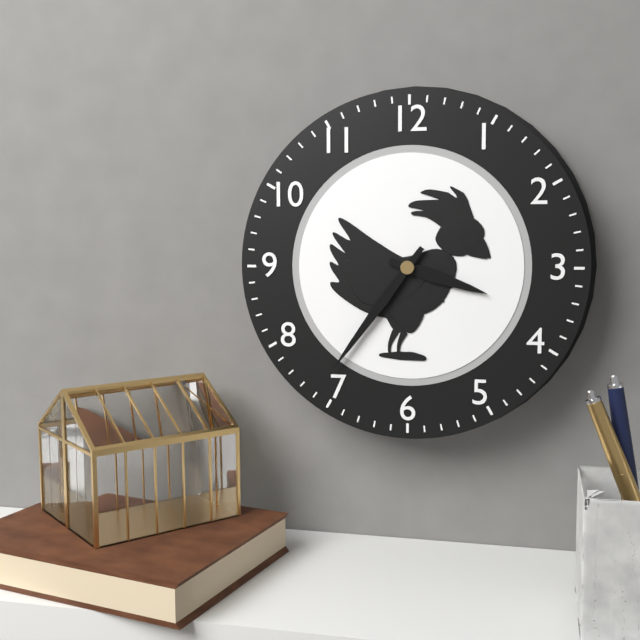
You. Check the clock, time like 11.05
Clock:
3.36
